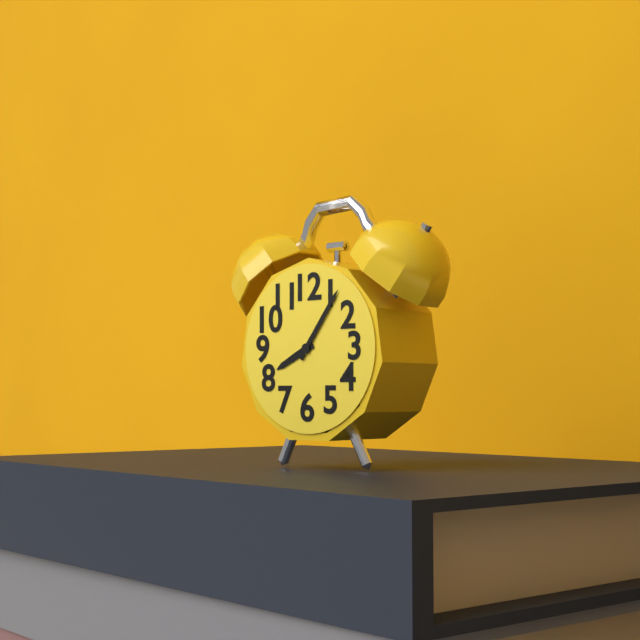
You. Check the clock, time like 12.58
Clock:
8.06
